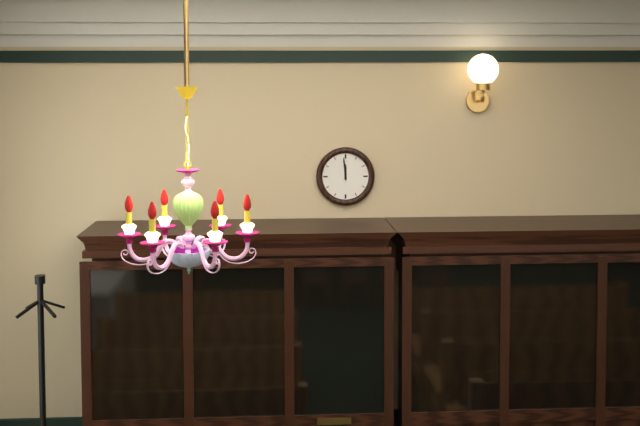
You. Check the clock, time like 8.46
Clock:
11.59
